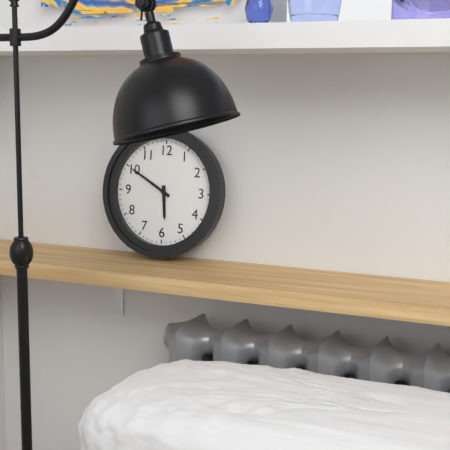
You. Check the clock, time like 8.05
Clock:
5.50
